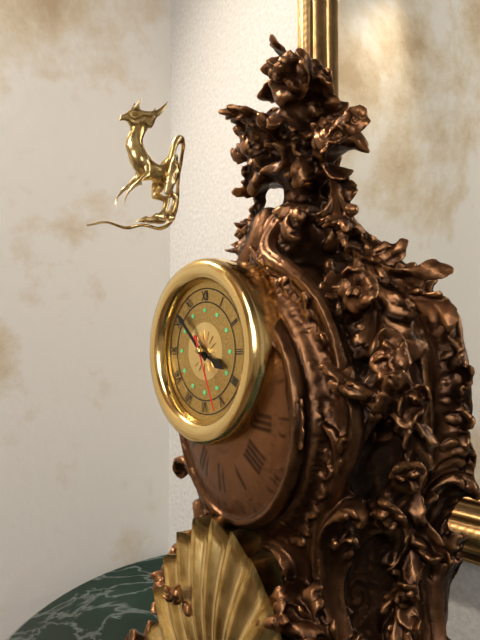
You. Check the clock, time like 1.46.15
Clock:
3.52.26
